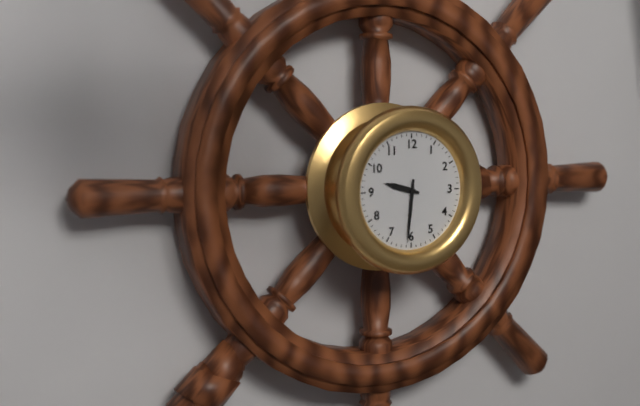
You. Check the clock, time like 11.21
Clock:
9.31
